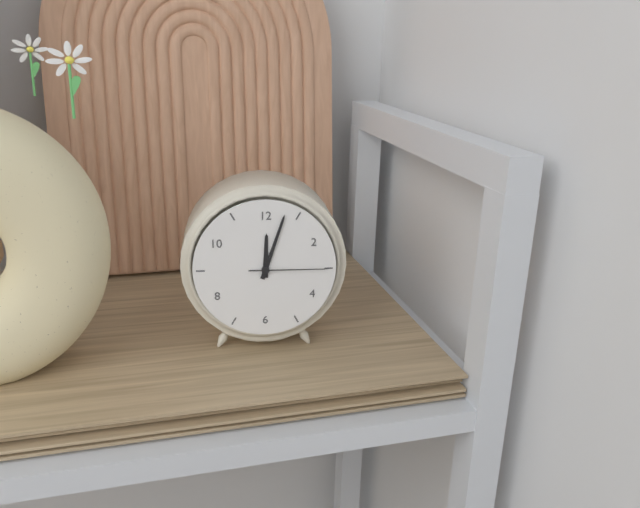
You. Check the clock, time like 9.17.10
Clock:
12.03.15
